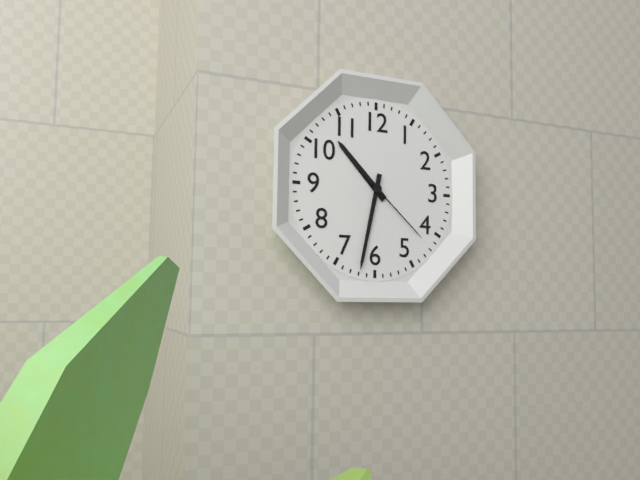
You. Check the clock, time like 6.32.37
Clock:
10.32.22
